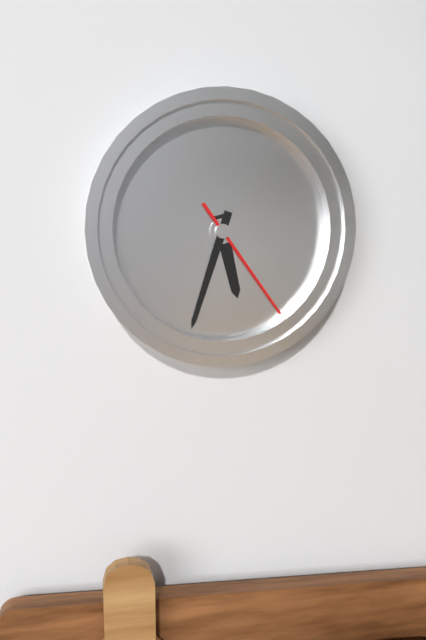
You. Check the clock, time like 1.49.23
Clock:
5.33.24
